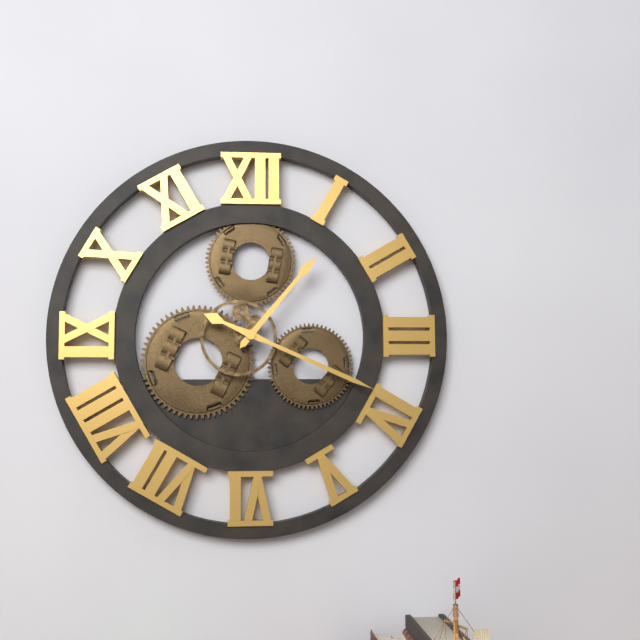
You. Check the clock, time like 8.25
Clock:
1.19
